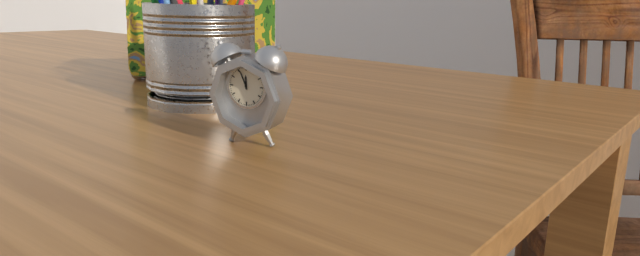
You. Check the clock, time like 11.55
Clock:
11.56
